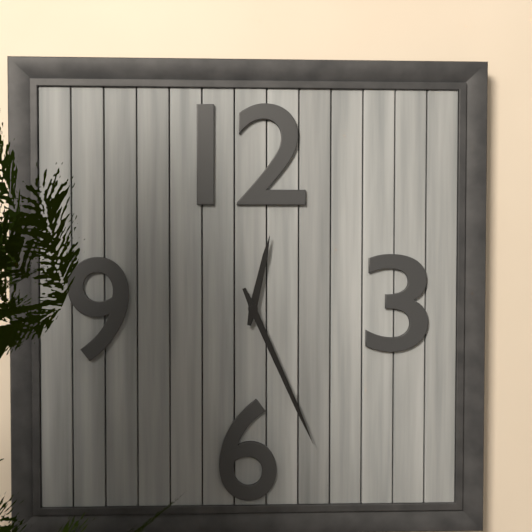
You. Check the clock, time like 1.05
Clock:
12.26
